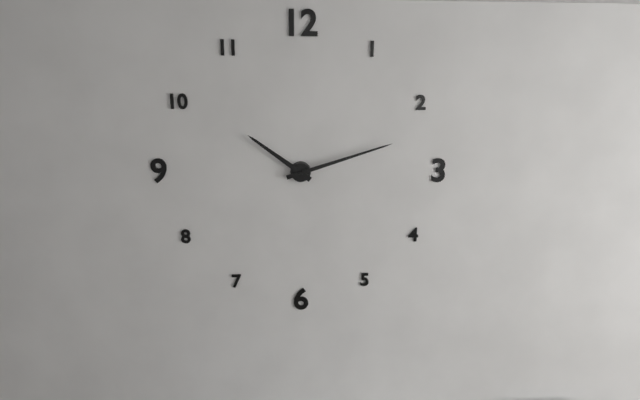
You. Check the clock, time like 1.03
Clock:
10.12
